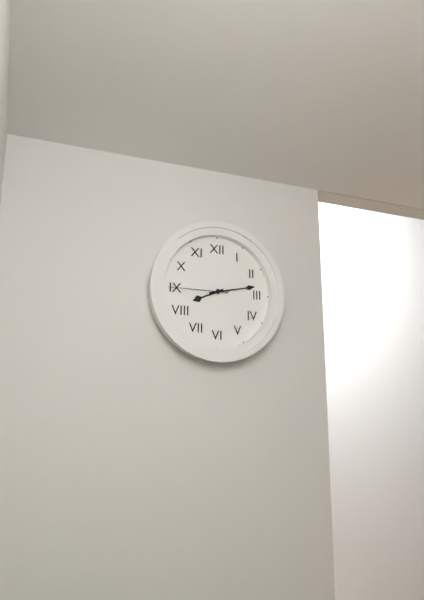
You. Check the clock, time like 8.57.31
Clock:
8.13.45
